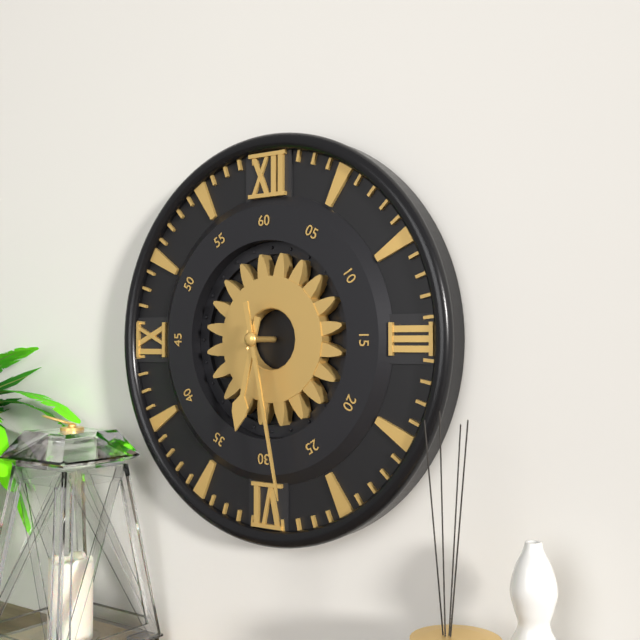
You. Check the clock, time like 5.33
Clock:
6.28
